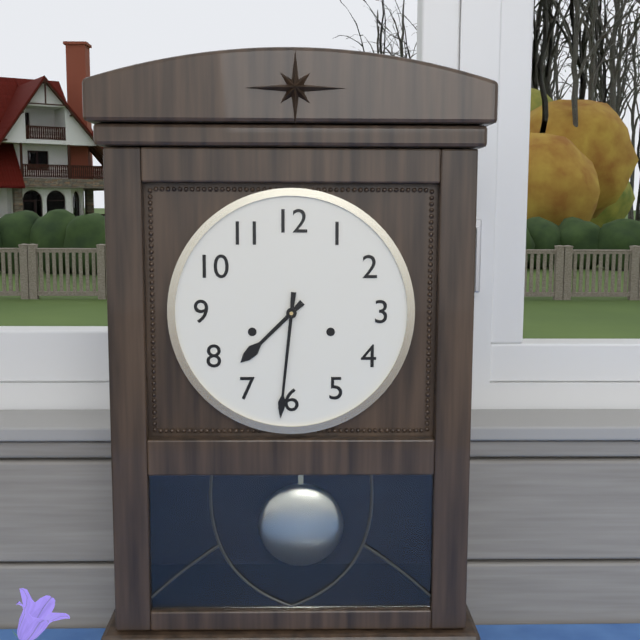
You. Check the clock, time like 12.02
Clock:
7.31
